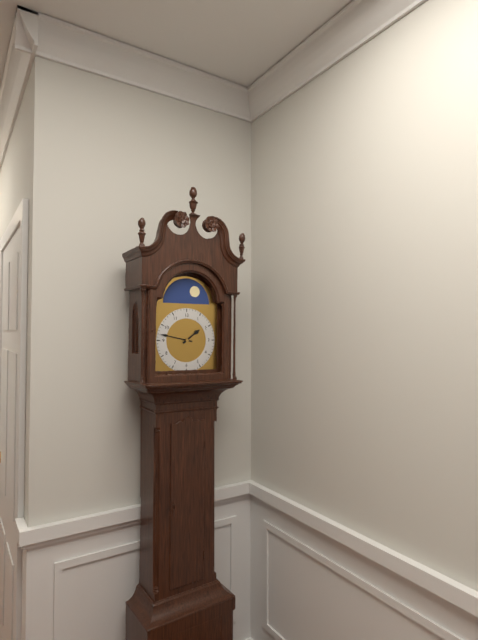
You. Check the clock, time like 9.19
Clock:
1.47
